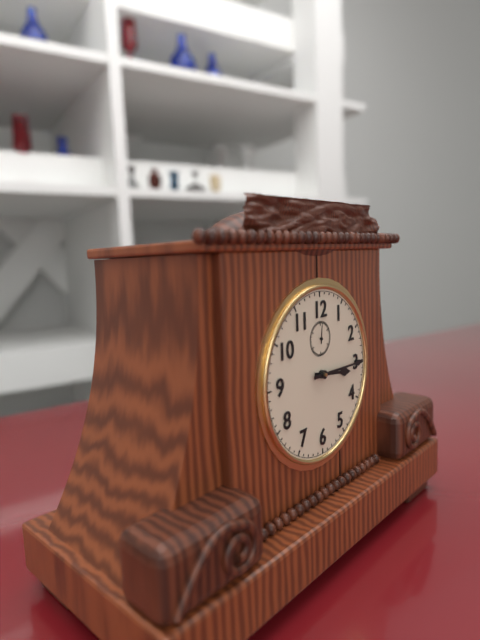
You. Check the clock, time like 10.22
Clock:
3.15
